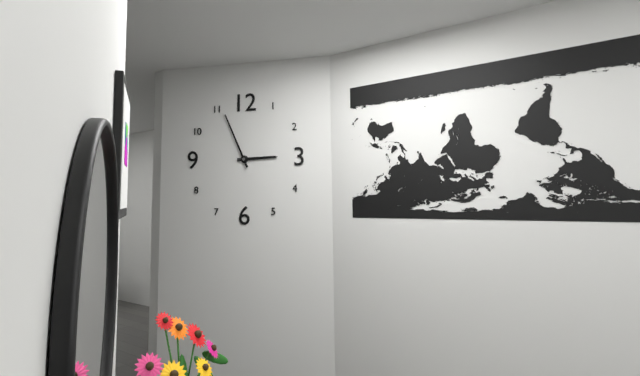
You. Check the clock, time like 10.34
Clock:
2.56
